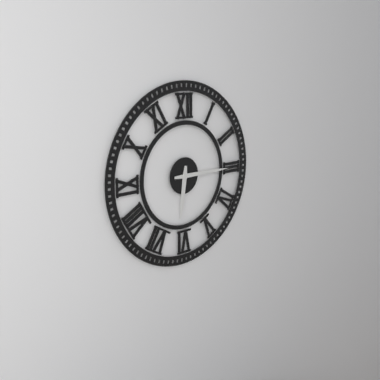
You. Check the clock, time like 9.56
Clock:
6.15
